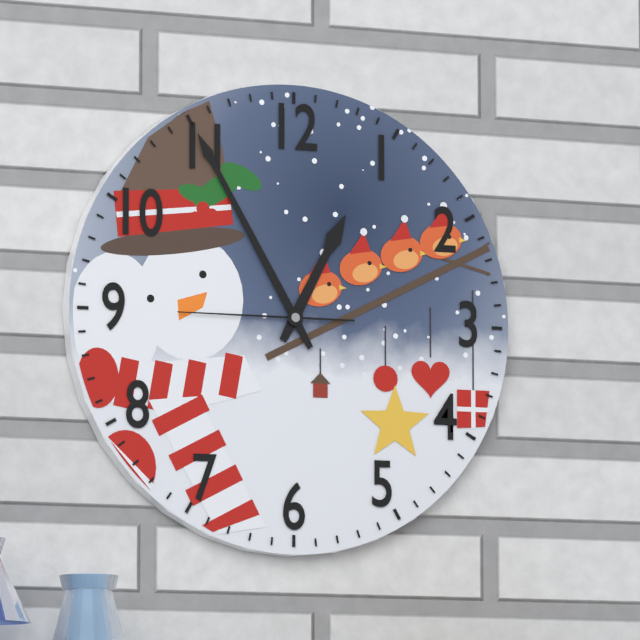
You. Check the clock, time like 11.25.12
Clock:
12.55.45
